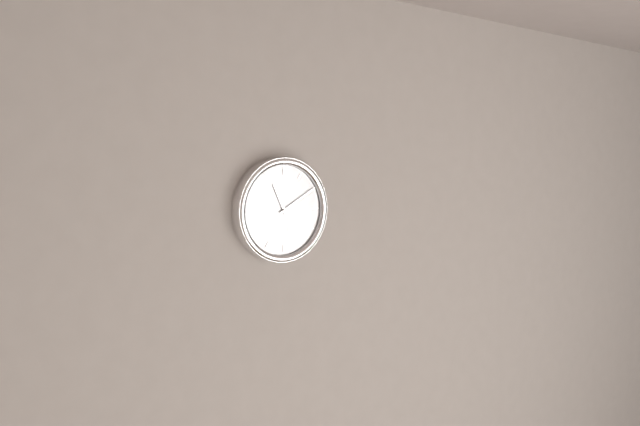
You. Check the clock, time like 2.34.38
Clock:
11.10.27
